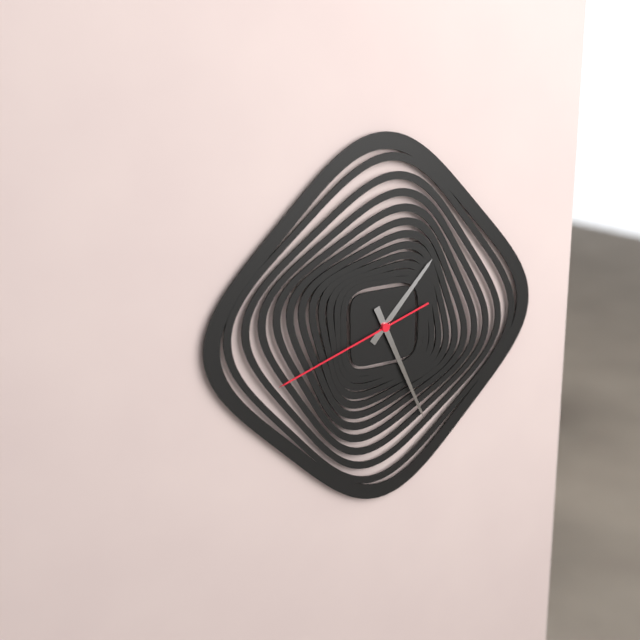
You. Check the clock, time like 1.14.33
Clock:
1.26.42
